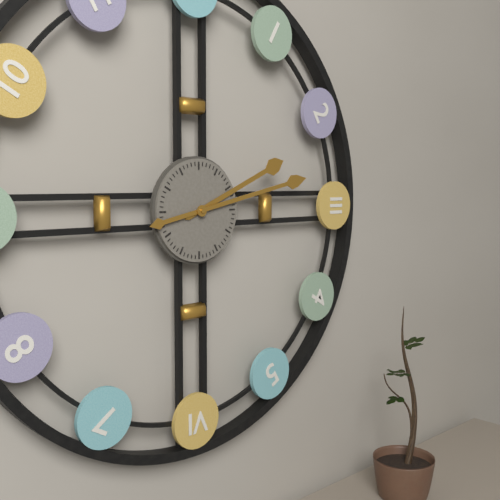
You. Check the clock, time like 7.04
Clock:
2.13
